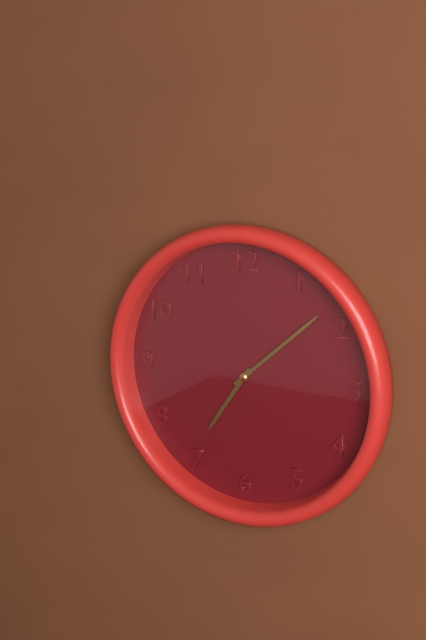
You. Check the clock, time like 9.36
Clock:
7.08
